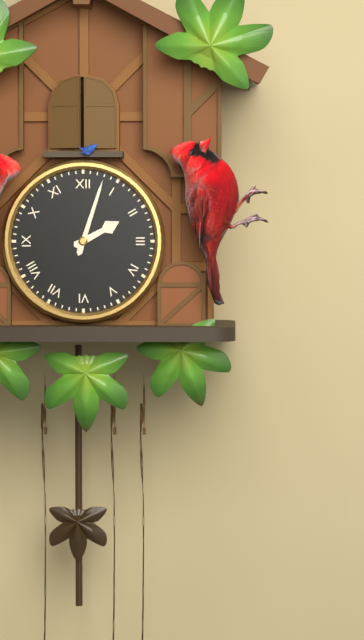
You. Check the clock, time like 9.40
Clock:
2.03
